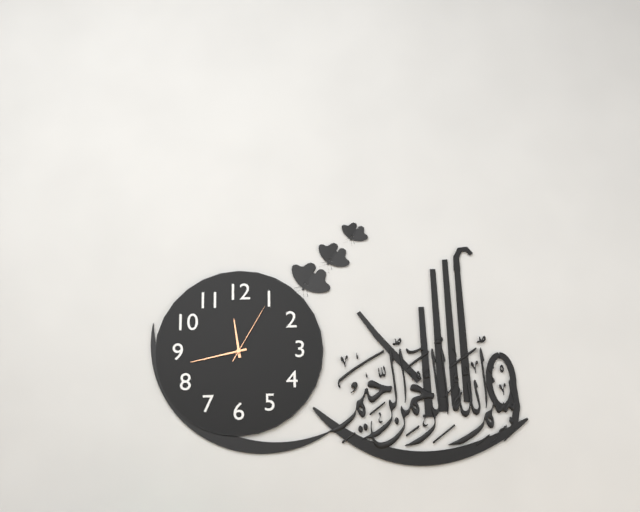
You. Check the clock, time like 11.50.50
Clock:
11.43.05
